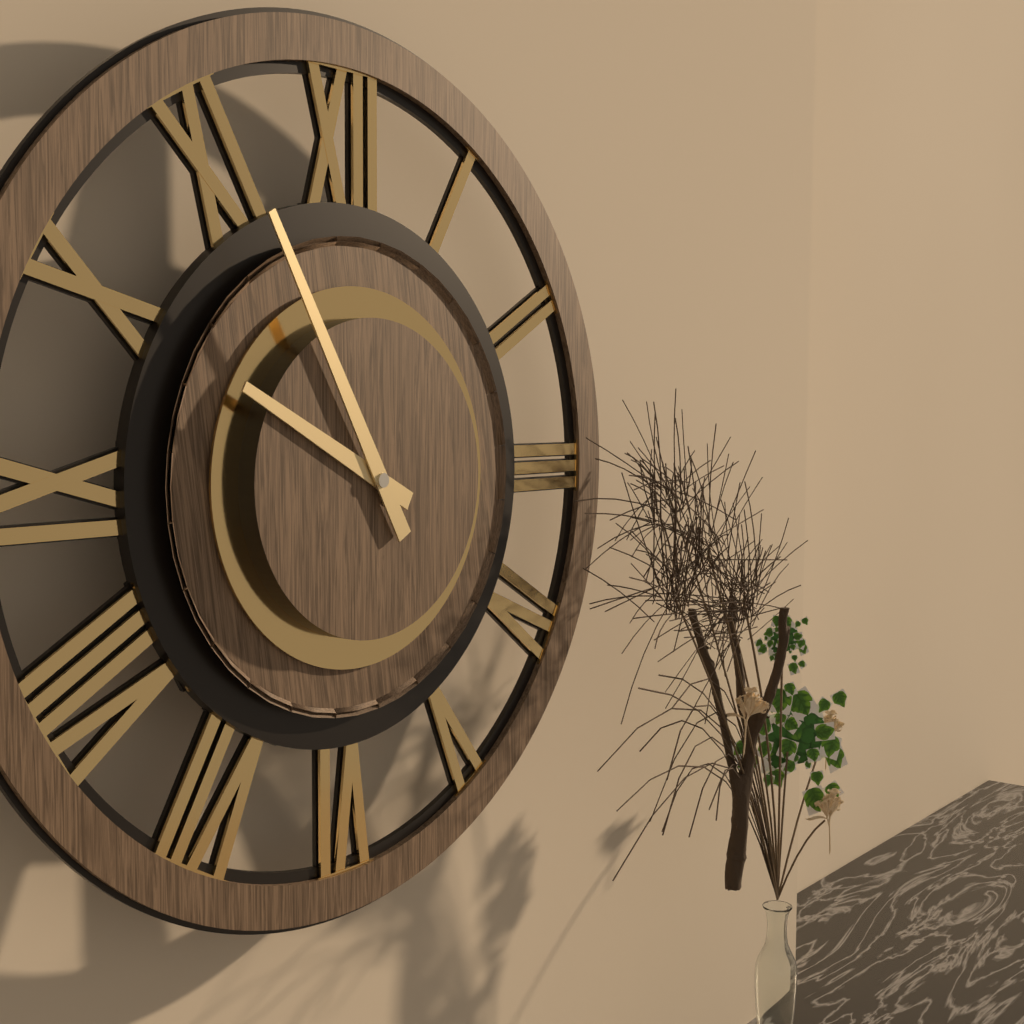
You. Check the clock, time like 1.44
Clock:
9.55
